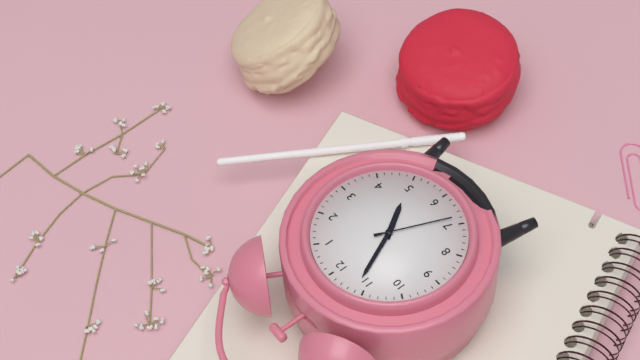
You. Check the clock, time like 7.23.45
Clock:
4.56.34
